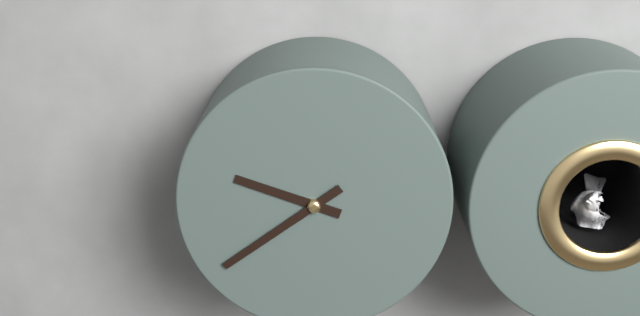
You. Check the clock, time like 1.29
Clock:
9.39
